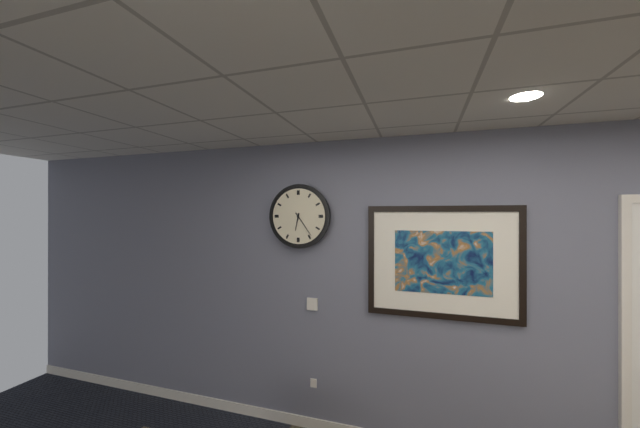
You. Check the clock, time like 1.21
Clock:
6.24
